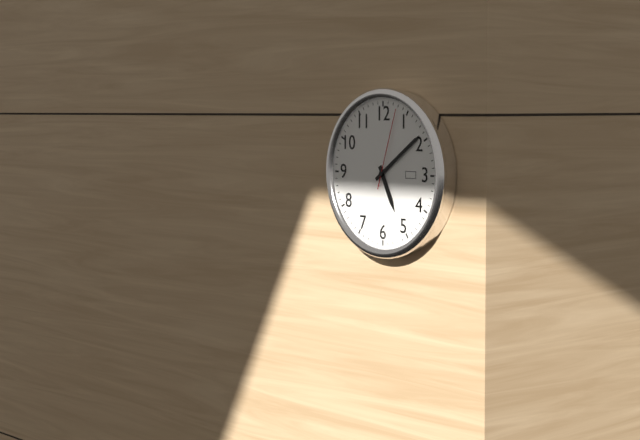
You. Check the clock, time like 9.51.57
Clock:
5.09.03
